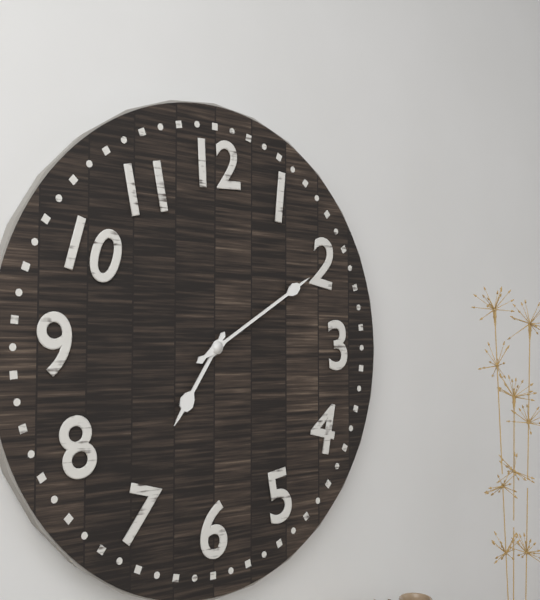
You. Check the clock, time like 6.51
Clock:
7.10
